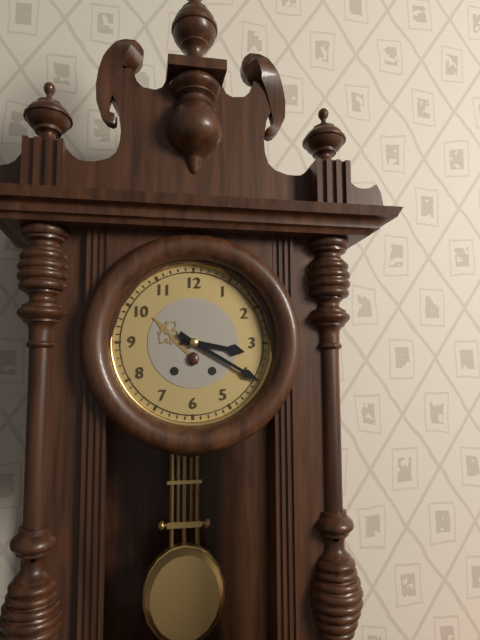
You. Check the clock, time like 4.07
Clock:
3.20
